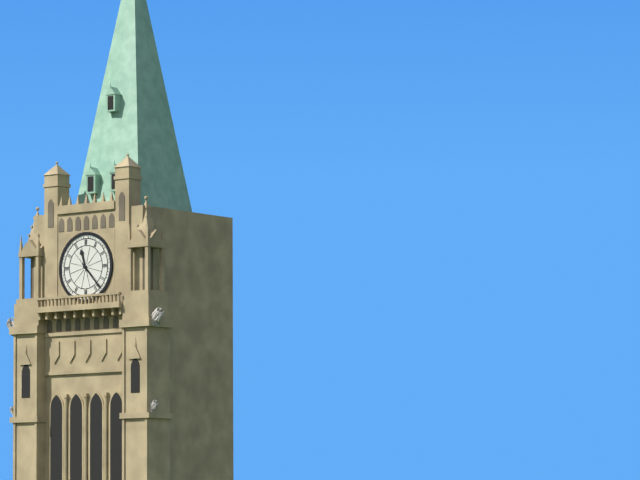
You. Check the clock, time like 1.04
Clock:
11.23
